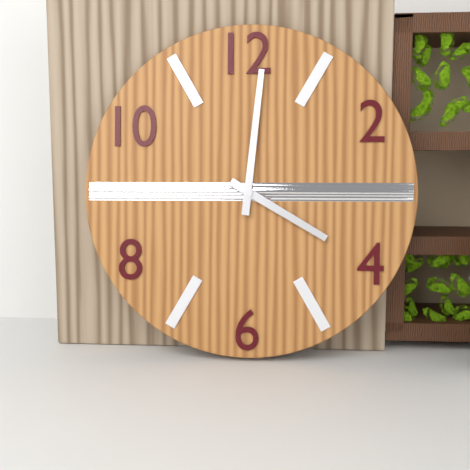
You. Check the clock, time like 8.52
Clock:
4.01
